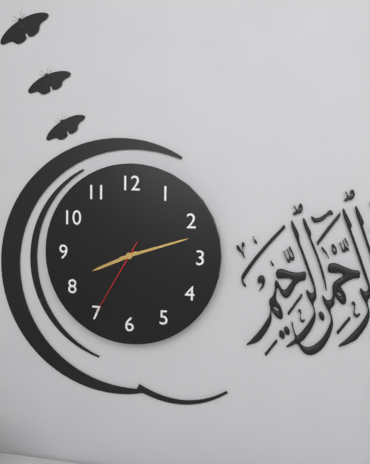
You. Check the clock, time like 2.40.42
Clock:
8.12.35
